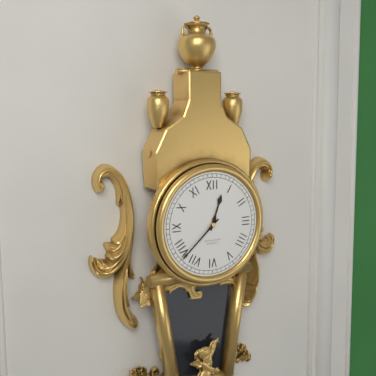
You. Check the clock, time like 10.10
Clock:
12.38
